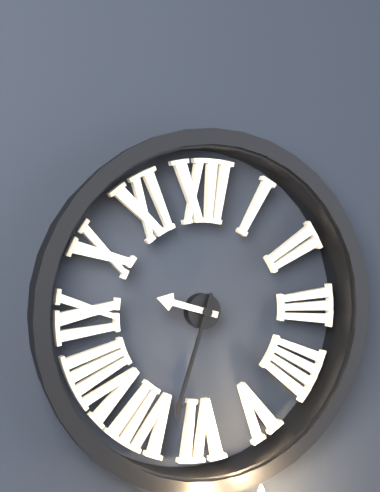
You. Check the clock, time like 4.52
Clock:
9.33
